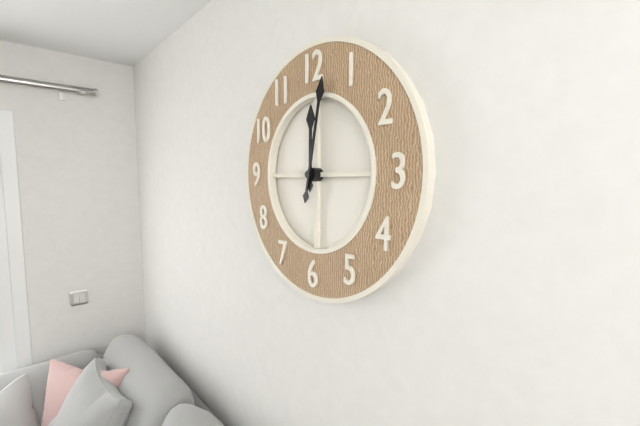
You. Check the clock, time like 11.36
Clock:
12.02
